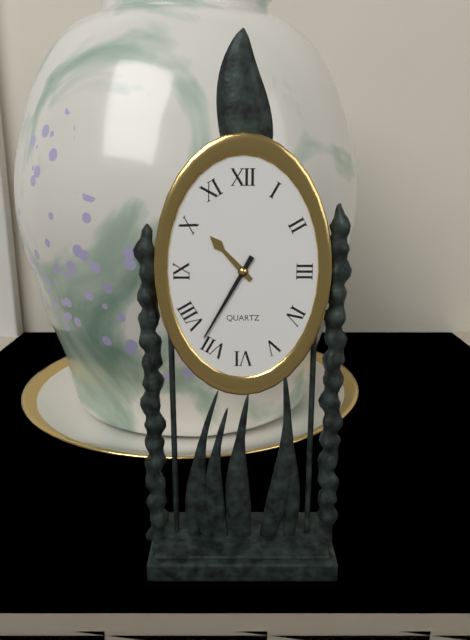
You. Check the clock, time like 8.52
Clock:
10.35
